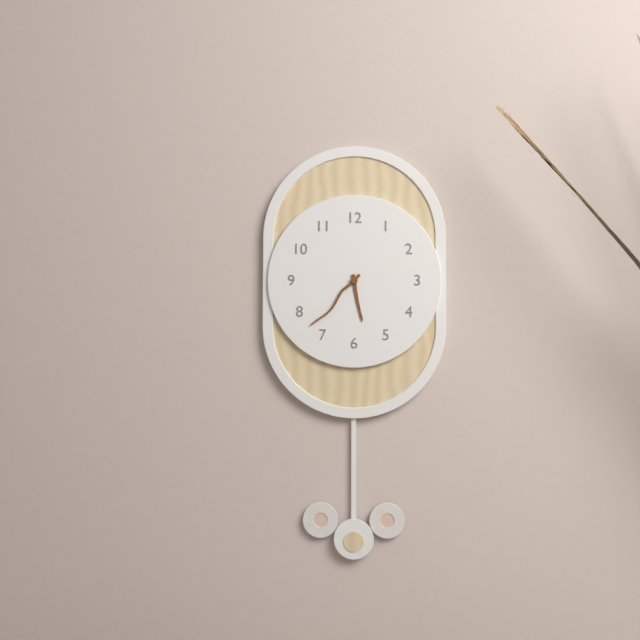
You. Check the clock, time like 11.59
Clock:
5.37
